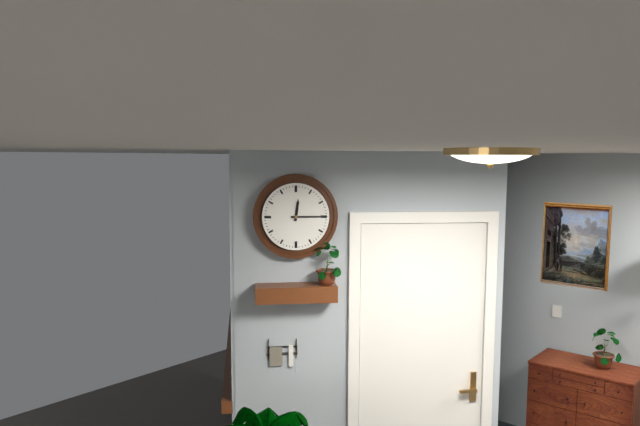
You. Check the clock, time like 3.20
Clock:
12.15
